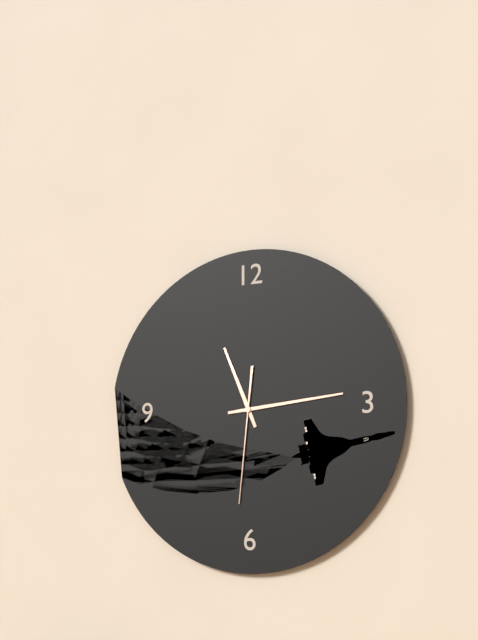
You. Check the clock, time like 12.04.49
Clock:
11.14.31
